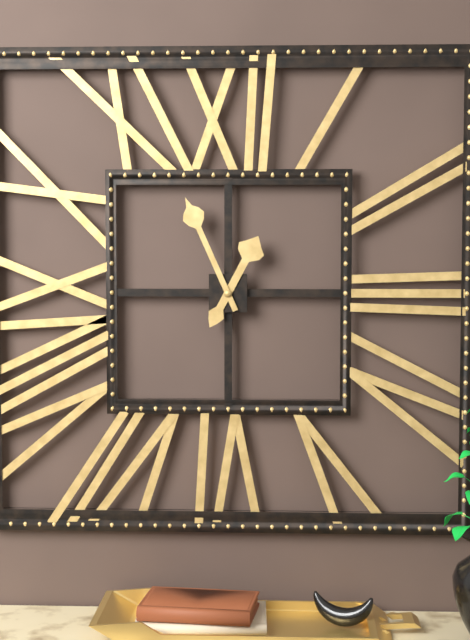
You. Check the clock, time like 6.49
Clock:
12.56
